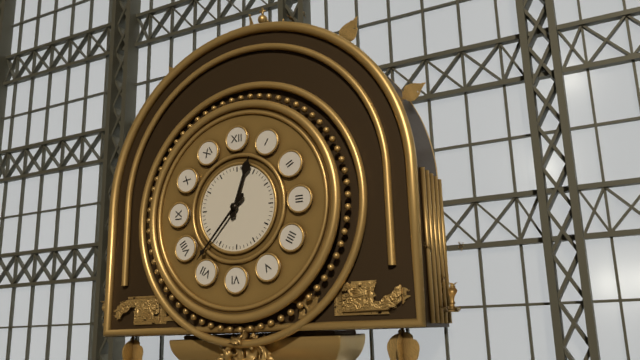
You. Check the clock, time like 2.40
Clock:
12.37
